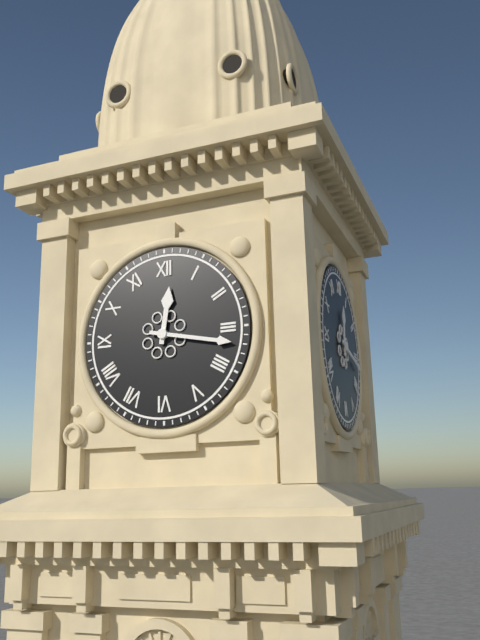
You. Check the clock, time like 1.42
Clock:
12.17
